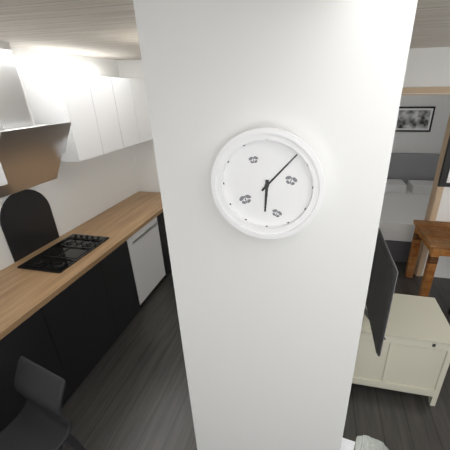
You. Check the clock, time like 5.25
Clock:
6.07
